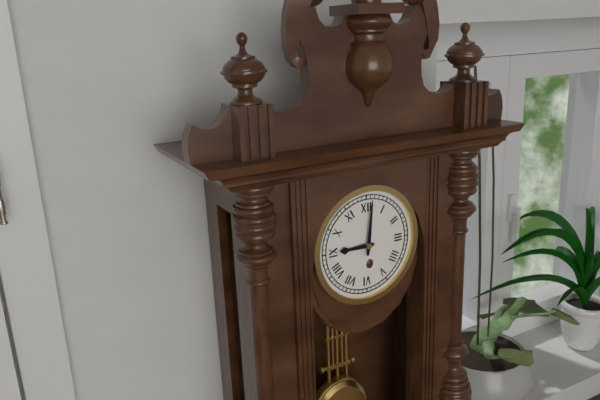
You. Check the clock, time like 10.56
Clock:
9.01
